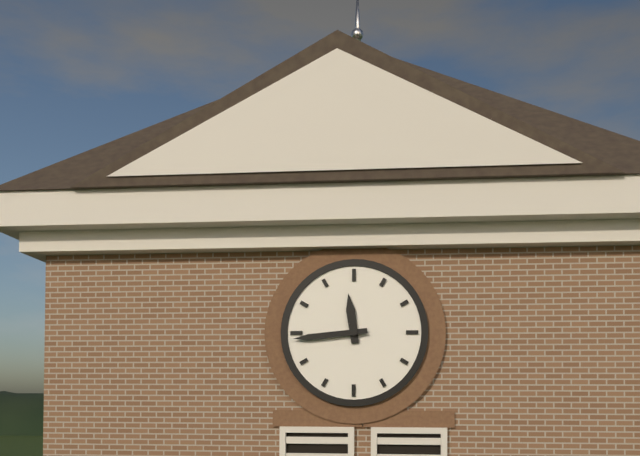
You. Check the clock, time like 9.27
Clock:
11.44
